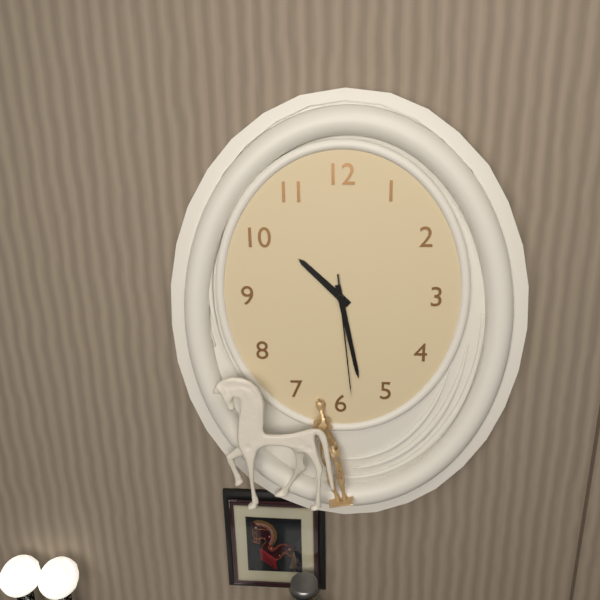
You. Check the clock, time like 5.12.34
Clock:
10.28.29
